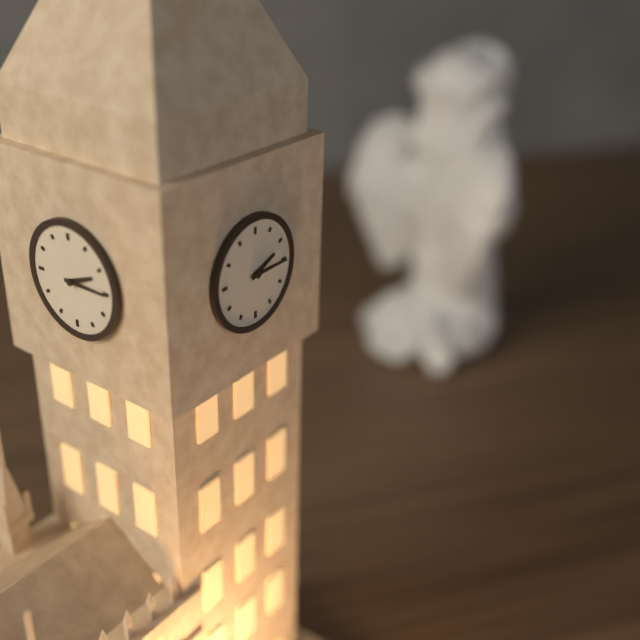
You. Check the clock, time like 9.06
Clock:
2.15
